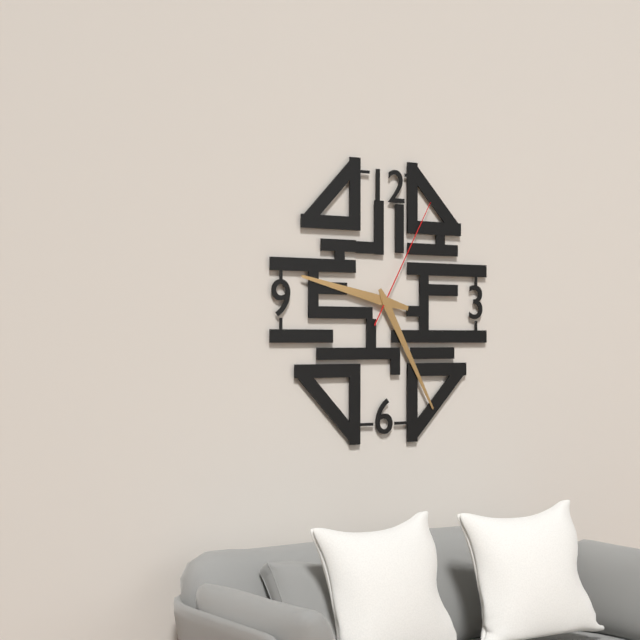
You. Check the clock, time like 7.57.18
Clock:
9.25.05
